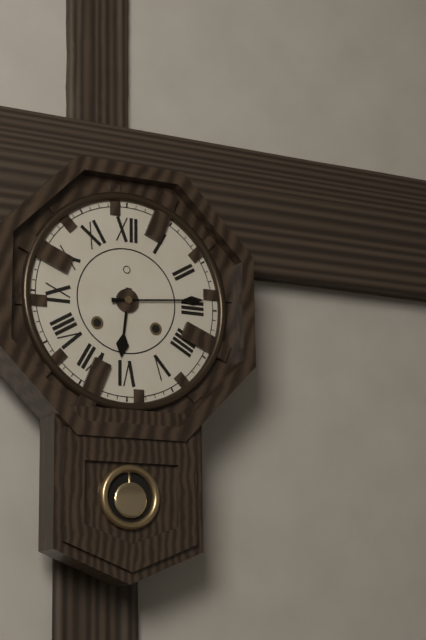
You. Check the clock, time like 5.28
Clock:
6.14
